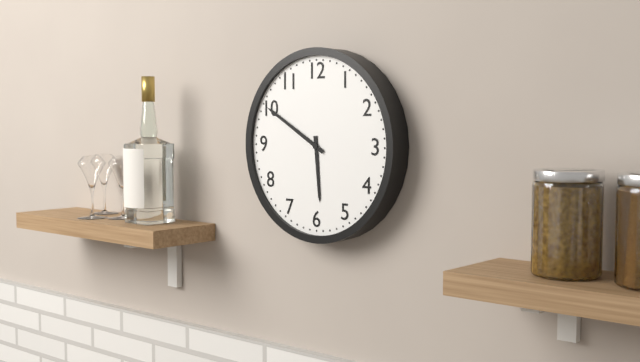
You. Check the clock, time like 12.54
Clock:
5.50
